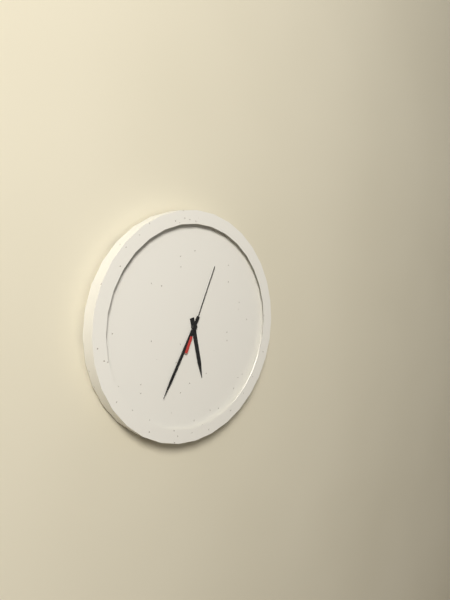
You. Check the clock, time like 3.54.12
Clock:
5.35.04
